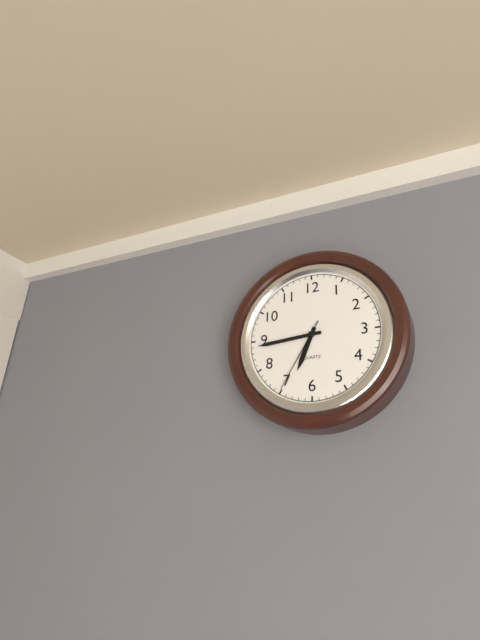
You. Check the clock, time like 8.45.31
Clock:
6.44.35
